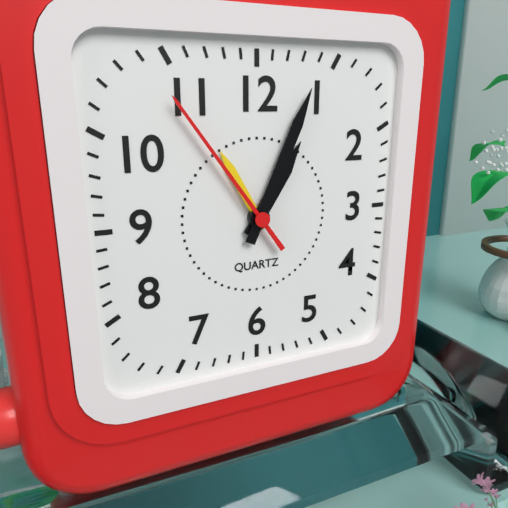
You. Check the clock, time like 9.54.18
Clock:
1.04.54
